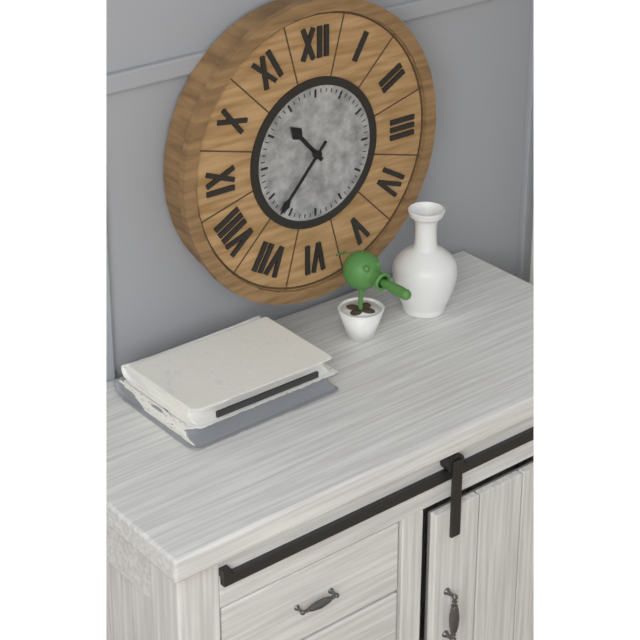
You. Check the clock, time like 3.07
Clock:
10.37
